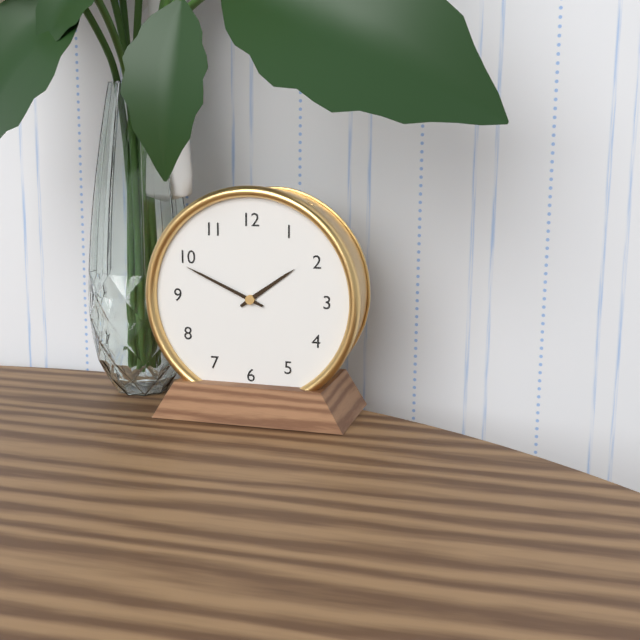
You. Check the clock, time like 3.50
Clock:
1.49
